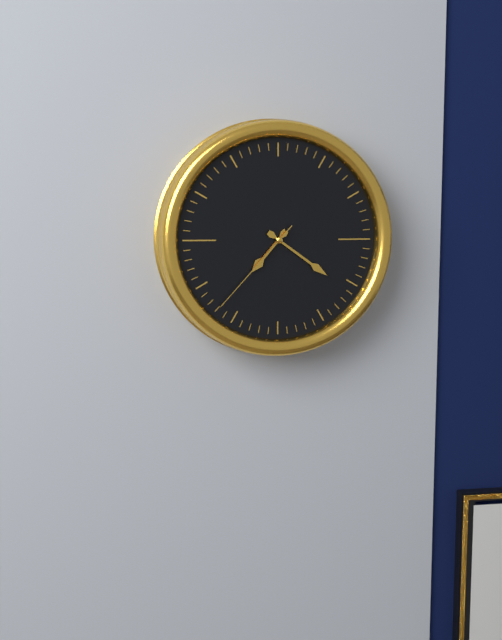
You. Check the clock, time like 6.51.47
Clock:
7.21.37
